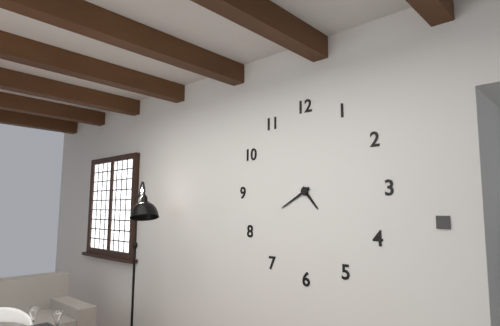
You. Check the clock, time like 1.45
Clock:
4.40
